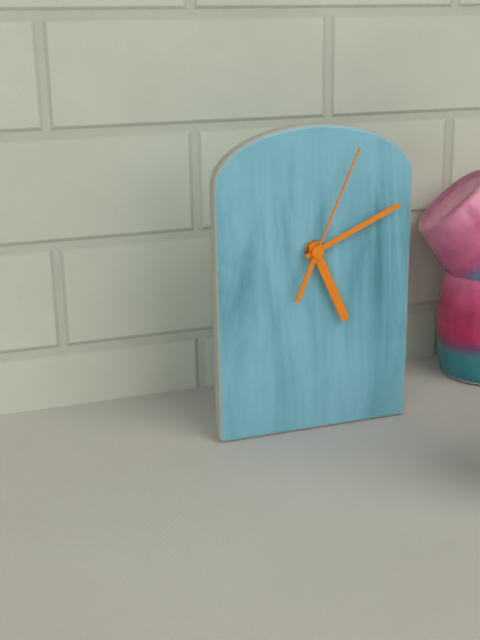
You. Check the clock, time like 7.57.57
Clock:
5.11.04
